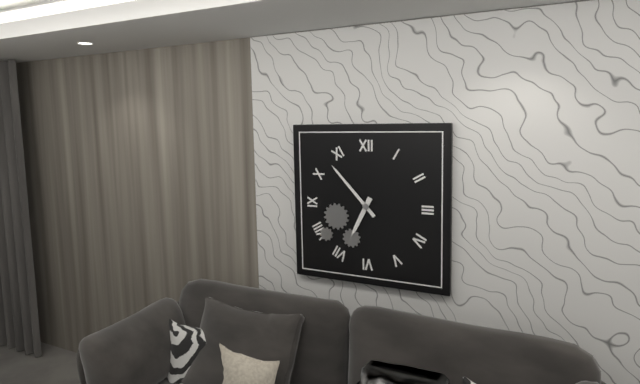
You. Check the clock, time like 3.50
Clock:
6.53
